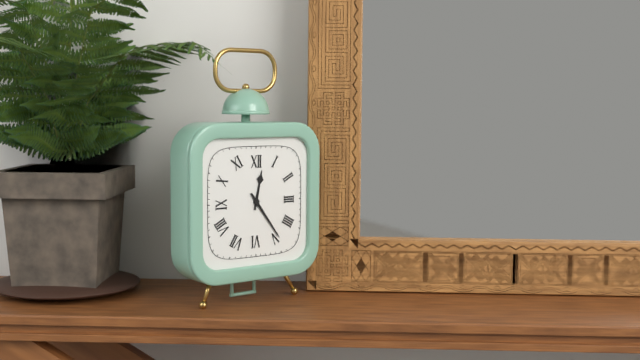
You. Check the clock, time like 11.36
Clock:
12.24
